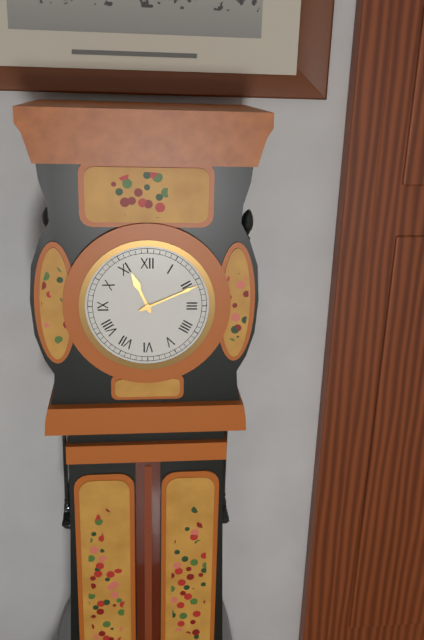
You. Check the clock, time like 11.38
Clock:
11.11
